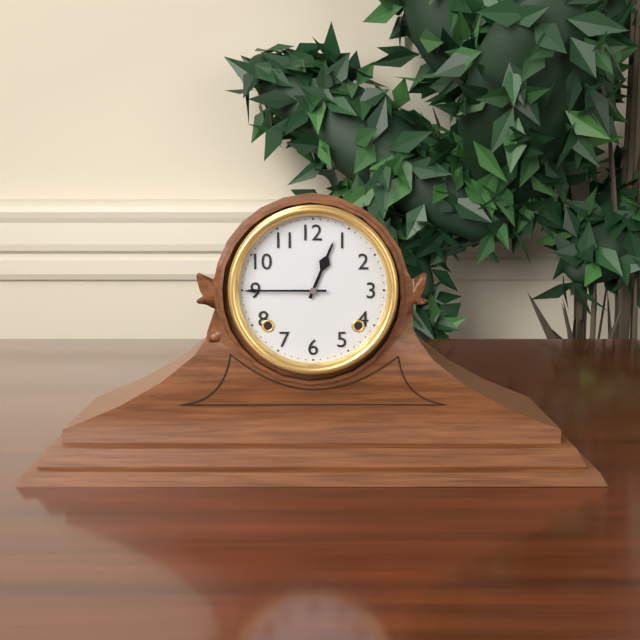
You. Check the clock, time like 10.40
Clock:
12.45
